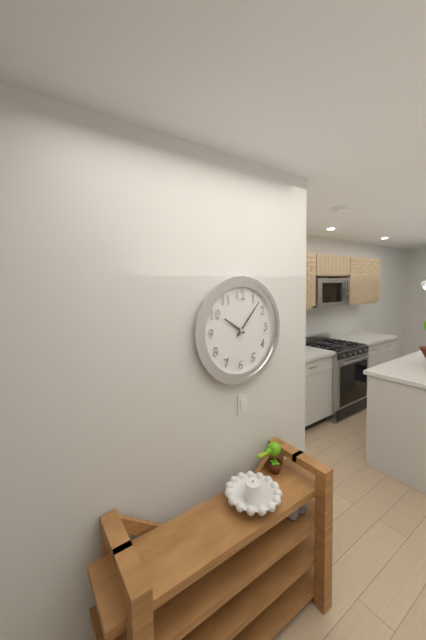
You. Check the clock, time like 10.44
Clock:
10.07
